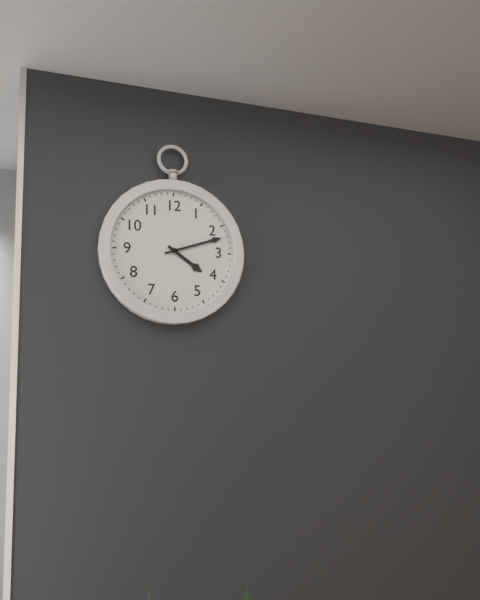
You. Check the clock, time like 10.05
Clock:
4.12
